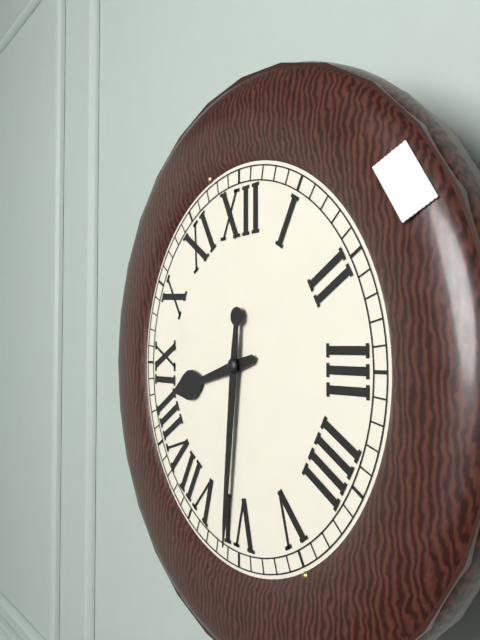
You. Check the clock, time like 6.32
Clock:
8.31
